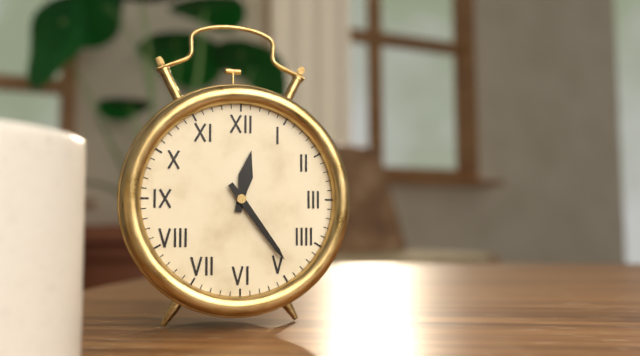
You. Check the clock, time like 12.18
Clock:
12.24
